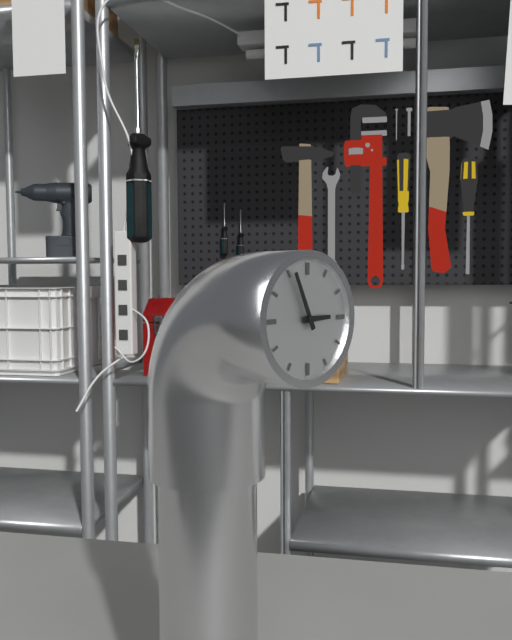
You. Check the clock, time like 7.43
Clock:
2.56
